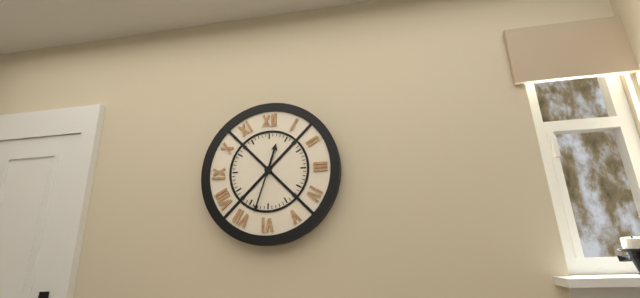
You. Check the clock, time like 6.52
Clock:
12.33
